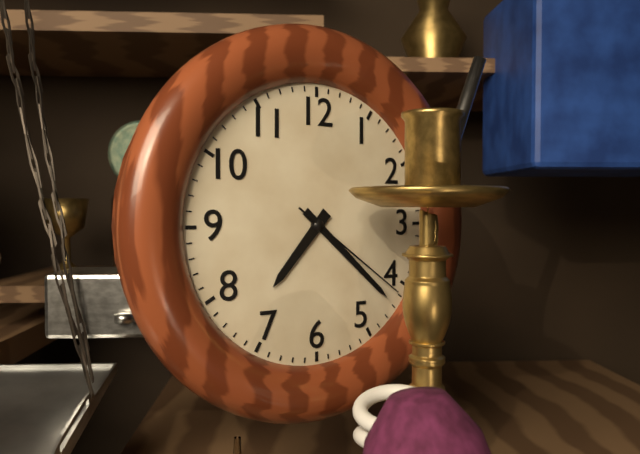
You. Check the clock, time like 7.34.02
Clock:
7.22.21
